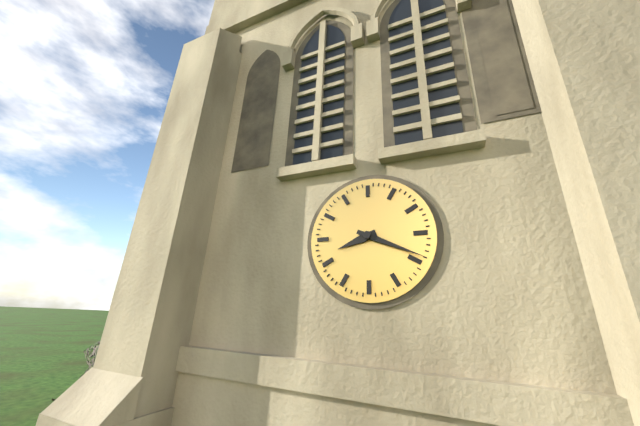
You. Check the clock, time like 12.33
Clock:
8.19
